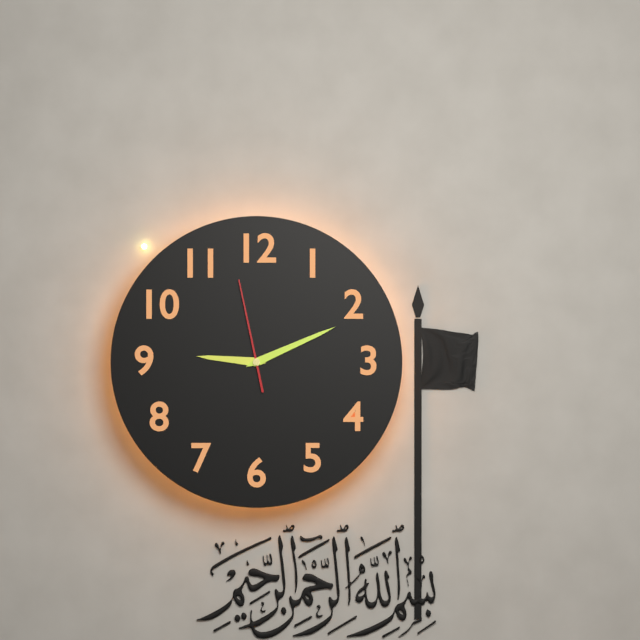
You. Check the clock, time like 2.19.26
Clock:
9.11.58
